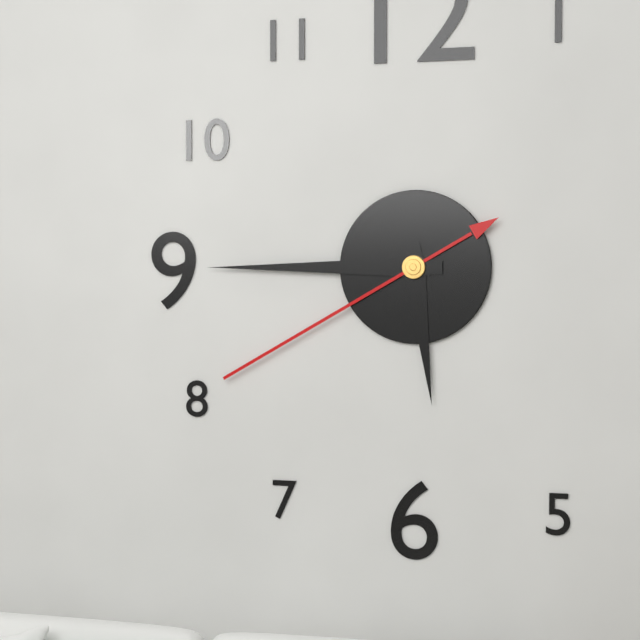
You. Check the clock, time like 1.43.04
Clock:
5.45.40
